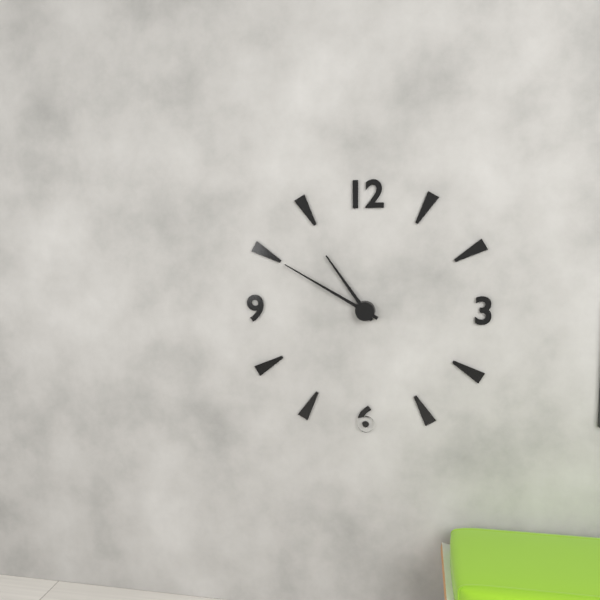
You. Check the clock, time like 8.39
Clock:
10.50
